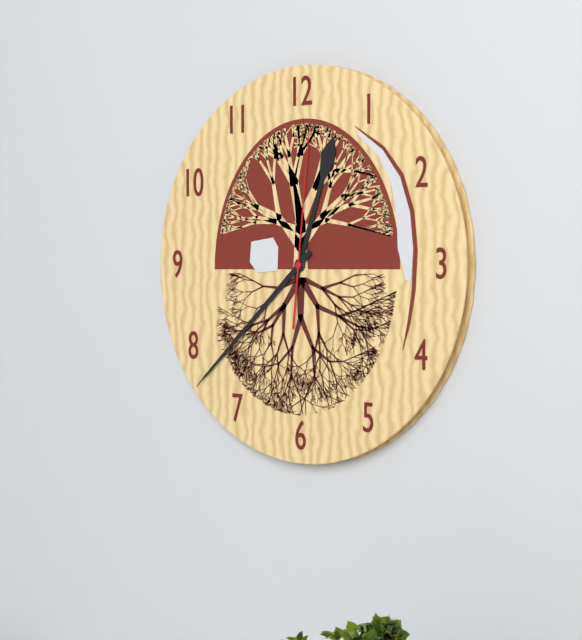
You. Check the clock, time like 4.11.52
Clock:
12.38.01
